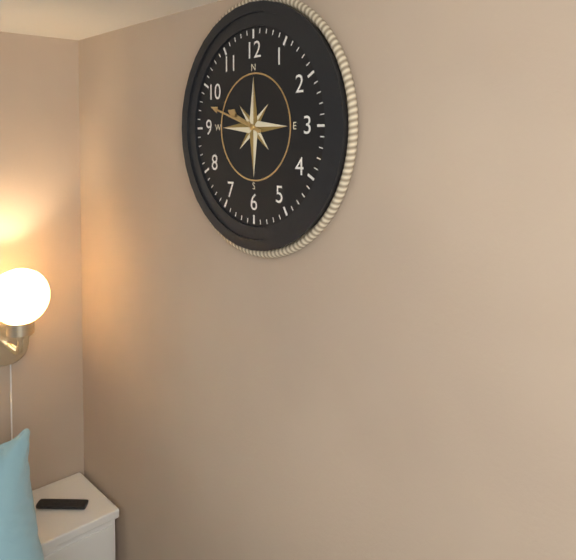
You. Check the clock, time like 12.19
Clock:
9.48
